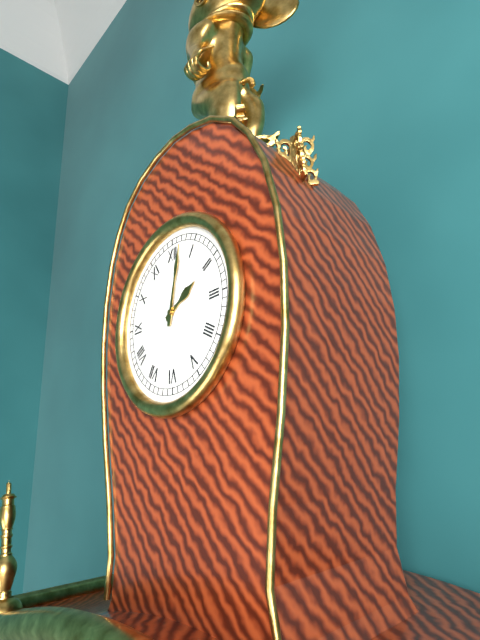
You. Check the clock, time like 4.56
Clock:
2.02
